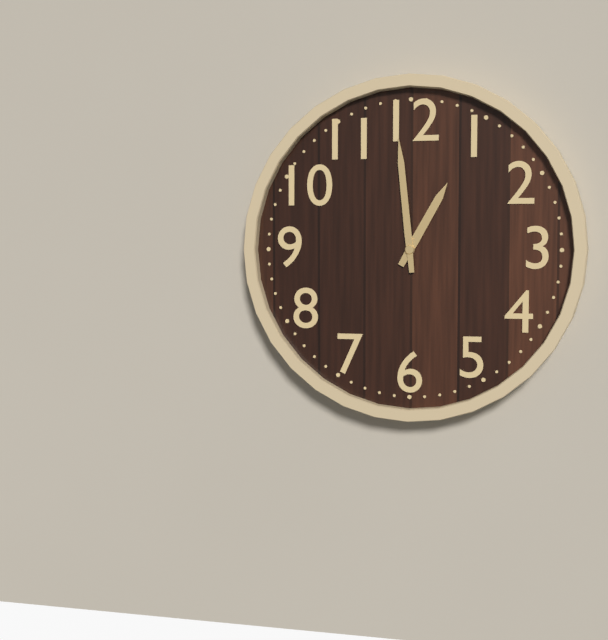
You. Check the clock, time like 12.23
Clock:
12.59
